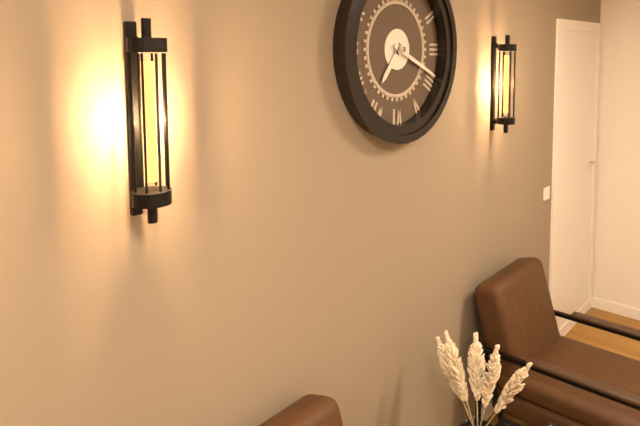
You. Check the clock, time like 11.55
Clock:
7.19
